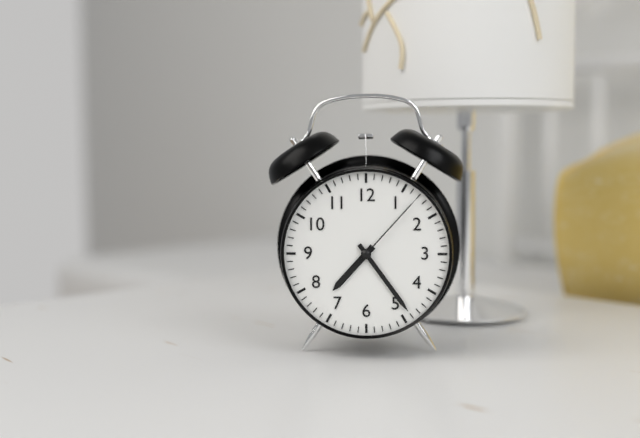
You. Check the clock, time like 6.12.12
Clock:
7.24.07
